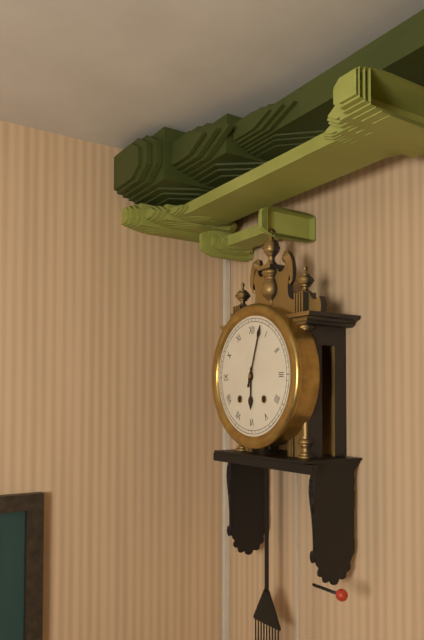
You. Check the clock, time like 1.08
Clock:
6.03
